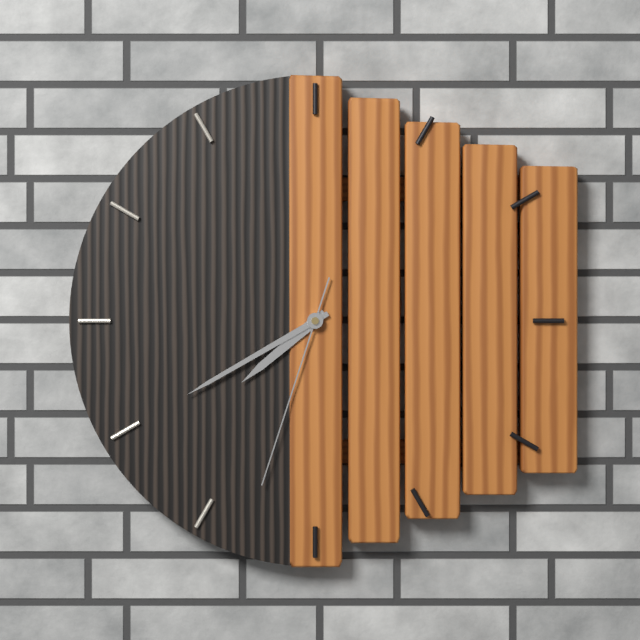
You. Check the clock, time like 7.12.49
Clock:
7.40.33
